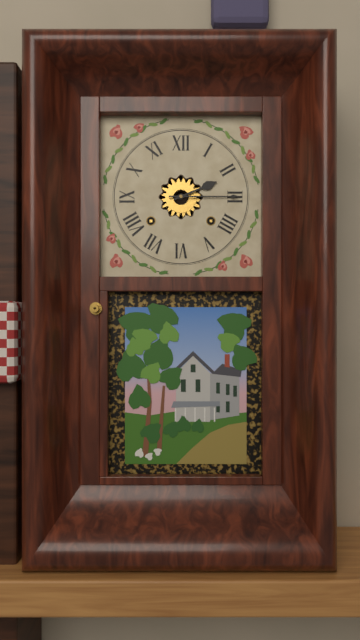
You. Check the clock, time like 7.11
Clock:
2.15
